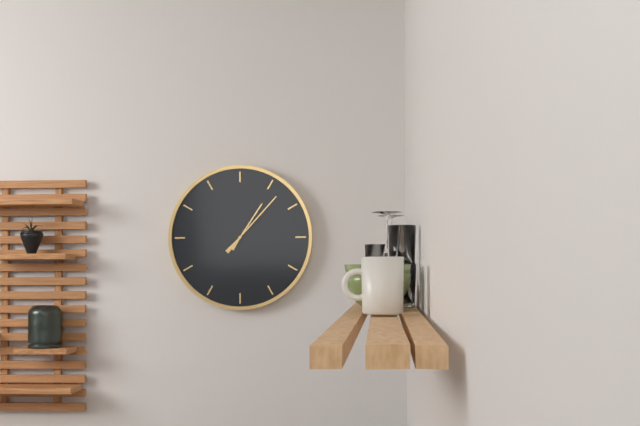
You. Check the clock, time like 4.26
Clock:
1.07
